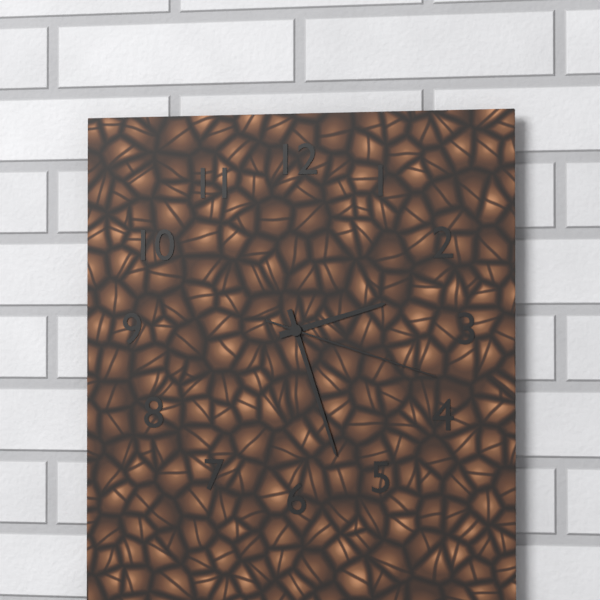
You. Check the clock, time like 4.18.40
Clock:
2.27.18
